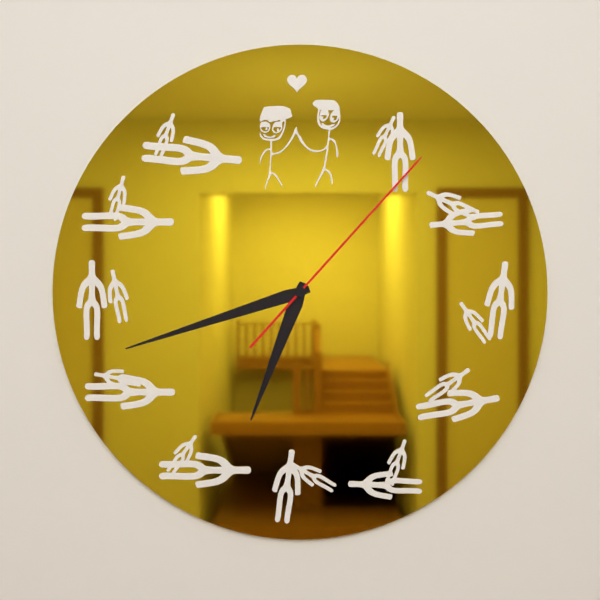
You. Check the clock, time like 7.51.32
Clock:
6.42.07
